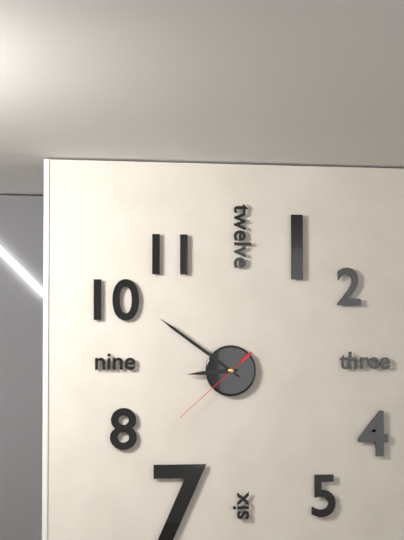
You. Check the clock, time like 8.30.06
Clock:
8.51.38
